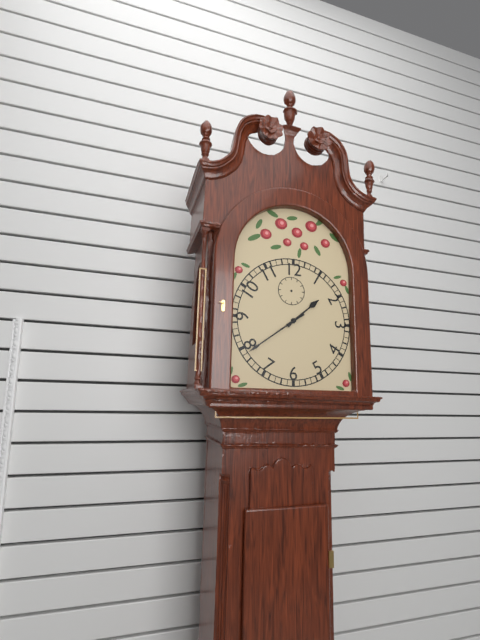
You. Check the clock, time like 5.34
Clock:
1.39
